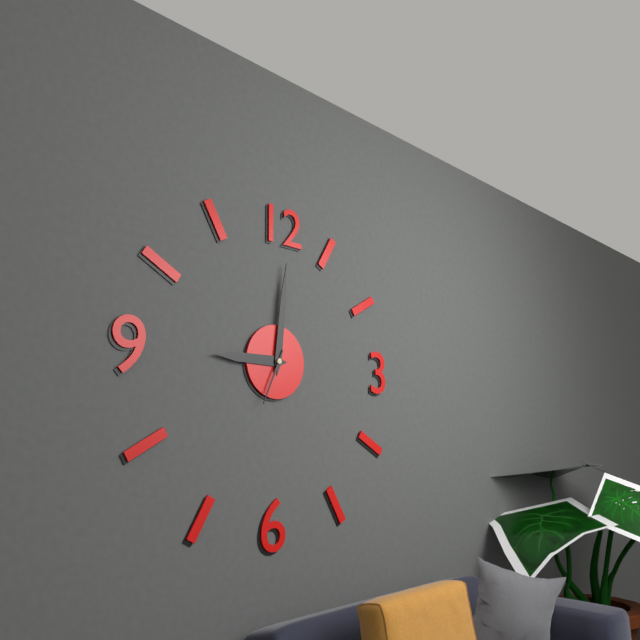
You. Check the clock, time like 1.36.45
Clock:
9.01.34
